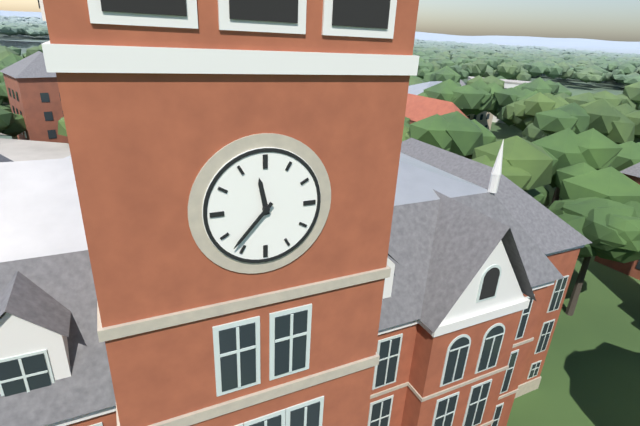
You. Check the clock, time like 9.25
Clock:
11.37
